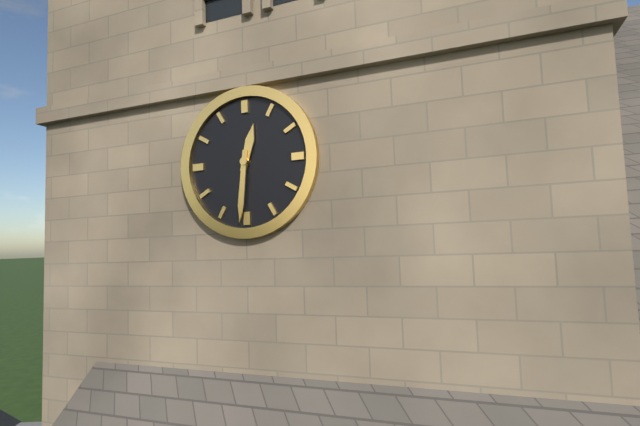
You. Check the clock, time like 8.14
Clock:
12.31
